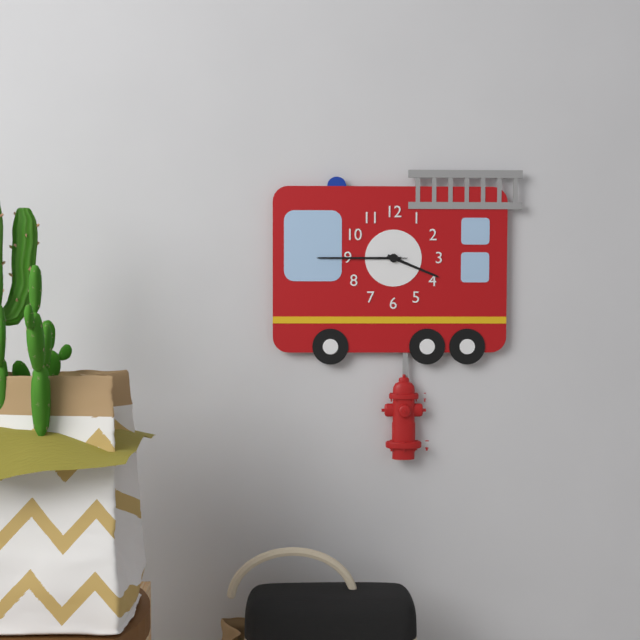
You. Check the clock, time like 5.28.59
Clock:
3.45.45
